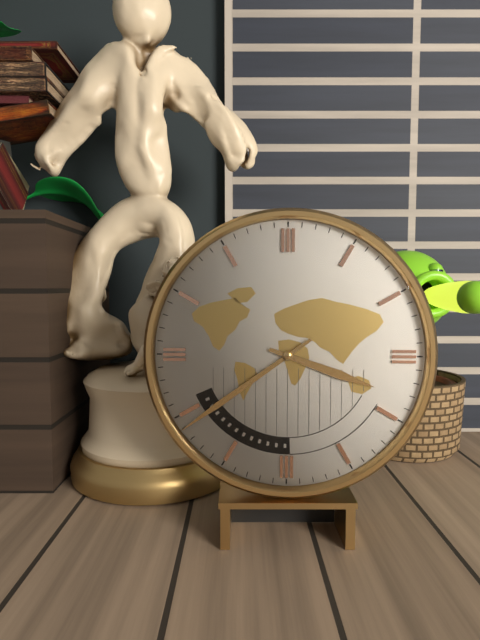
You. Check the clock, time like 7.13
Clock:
3.39
